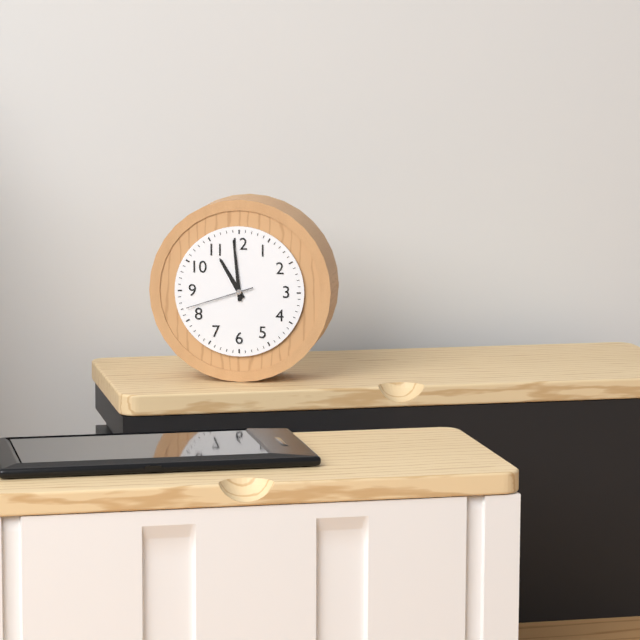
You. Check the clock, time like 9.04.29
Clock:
10.59.42
